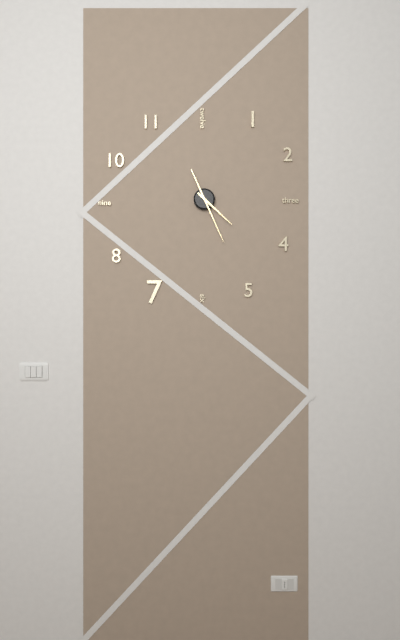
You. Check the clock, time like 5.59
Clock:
4.26
